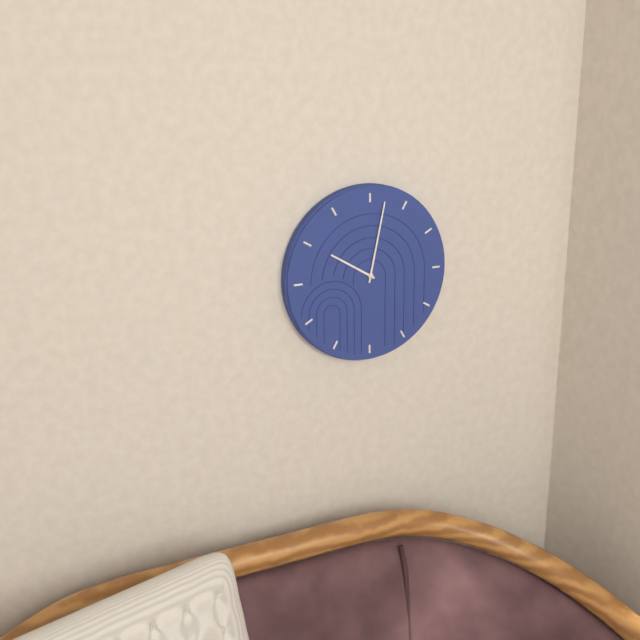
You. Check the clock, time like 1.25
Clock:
10.02
